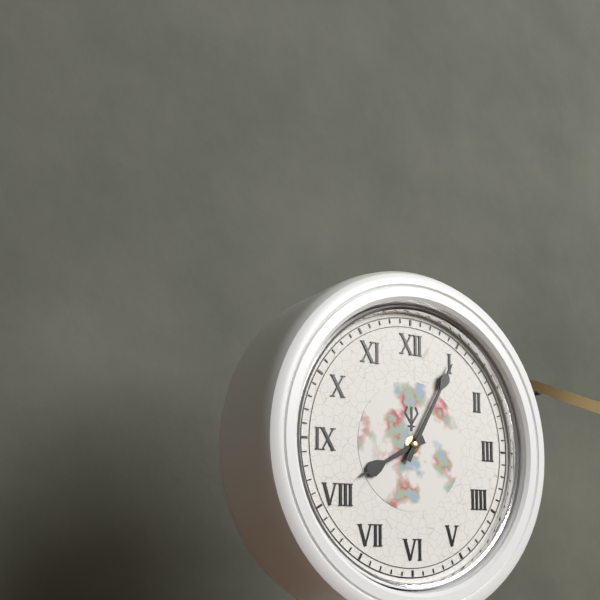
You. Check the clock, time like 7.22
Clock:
8.05
